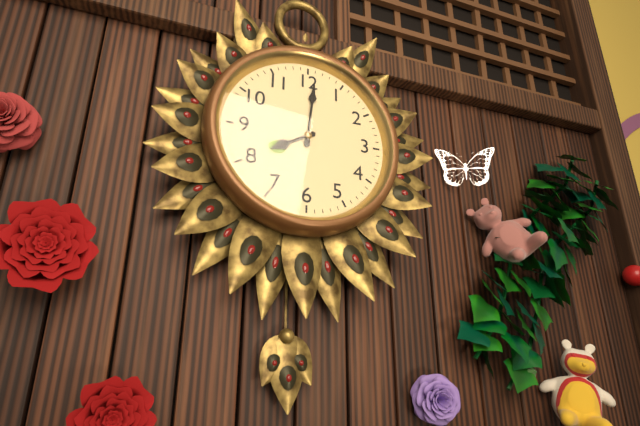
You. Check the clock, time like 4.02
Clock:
8.01
